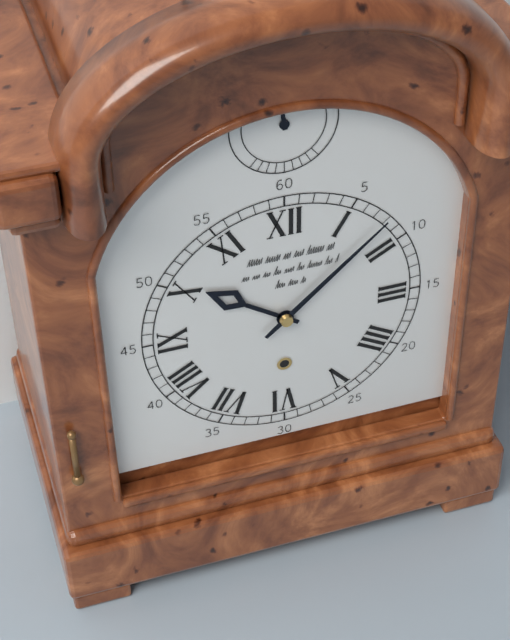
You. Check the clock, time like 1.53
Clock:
10.08
